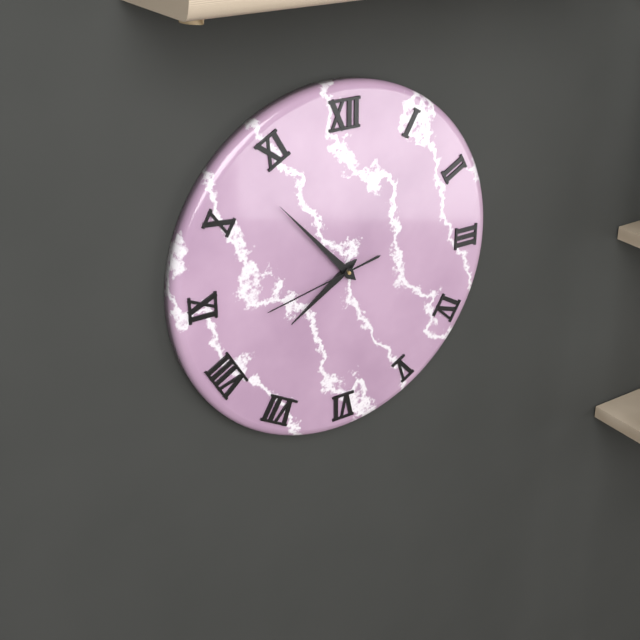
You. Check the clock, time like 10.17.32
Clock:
7.53.43
